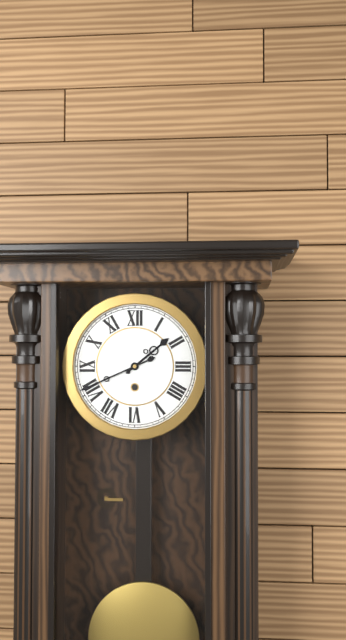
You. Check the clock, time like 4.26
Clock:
1.41
